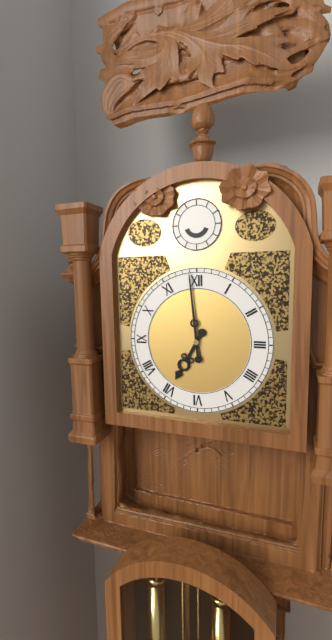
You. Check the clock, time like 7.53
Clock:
6.59
